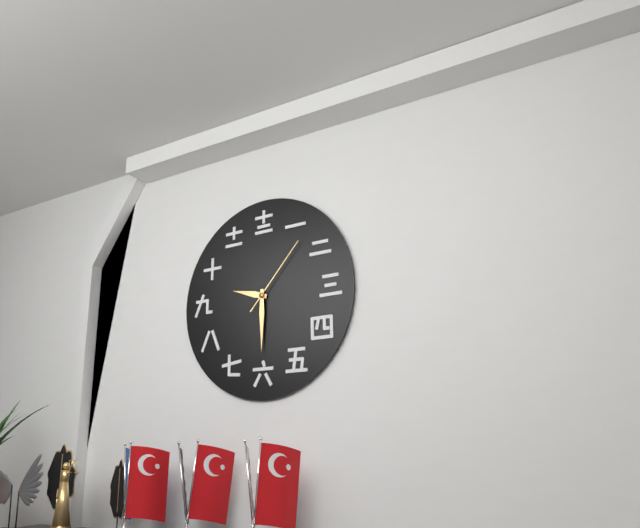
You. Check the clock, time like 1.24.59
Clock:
9.30.07
